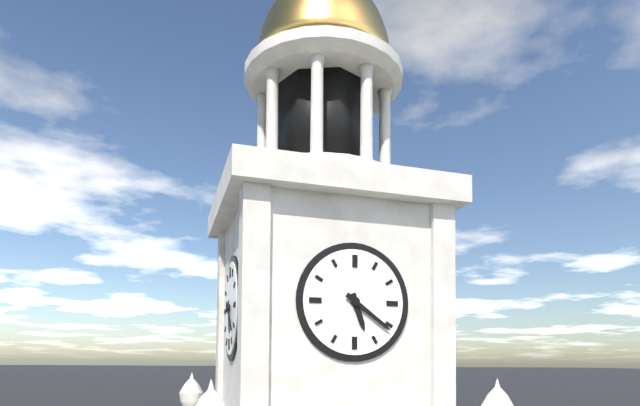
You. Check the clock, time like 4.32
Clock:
5.21
